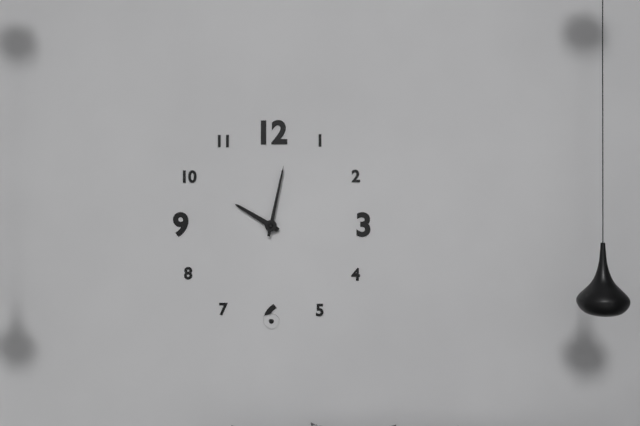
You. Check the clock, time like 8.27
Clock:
10.02
